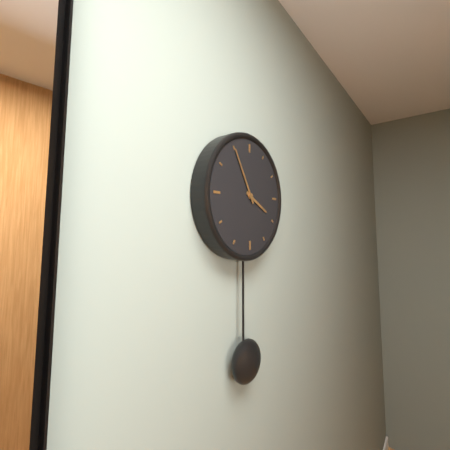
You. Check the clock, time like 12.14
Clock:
3.55
